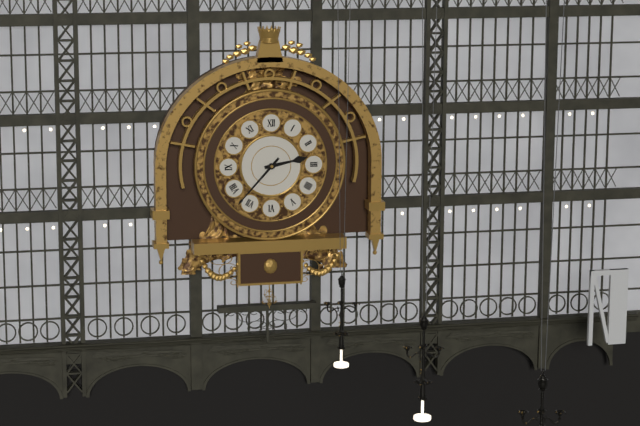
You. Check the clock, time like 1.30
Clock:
2.37
